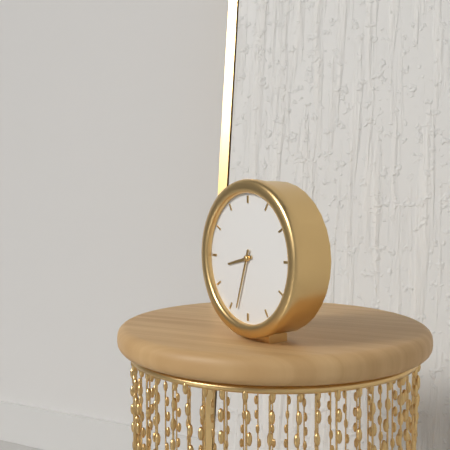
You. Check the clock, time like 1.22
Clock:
8.33
